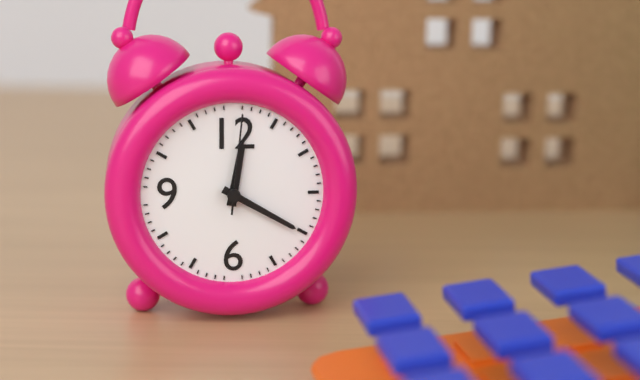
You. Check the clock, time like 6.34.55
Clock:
12.20.01
